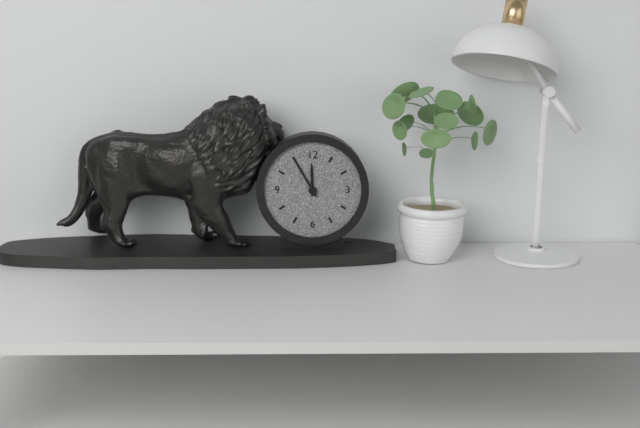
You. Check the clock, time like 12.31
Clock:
11.55
